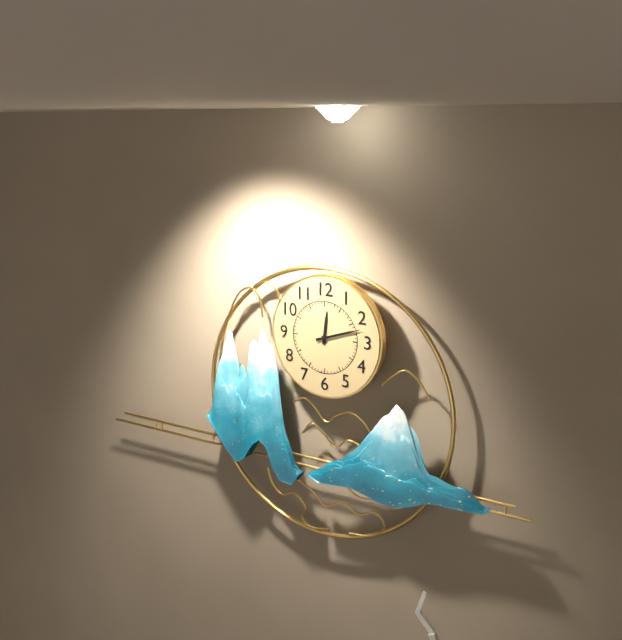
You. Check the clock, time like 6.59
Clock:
12.12
